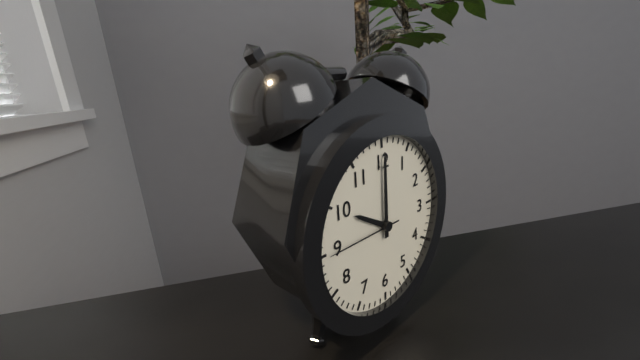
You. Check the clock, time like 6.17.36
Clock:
10.00.45
